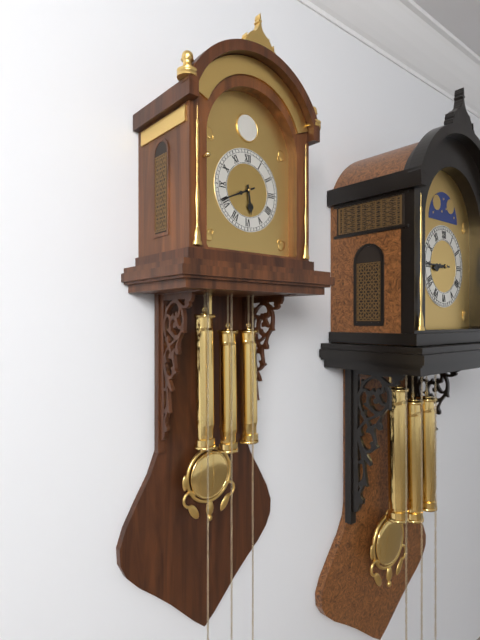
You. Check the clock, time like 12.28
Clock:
5.41
